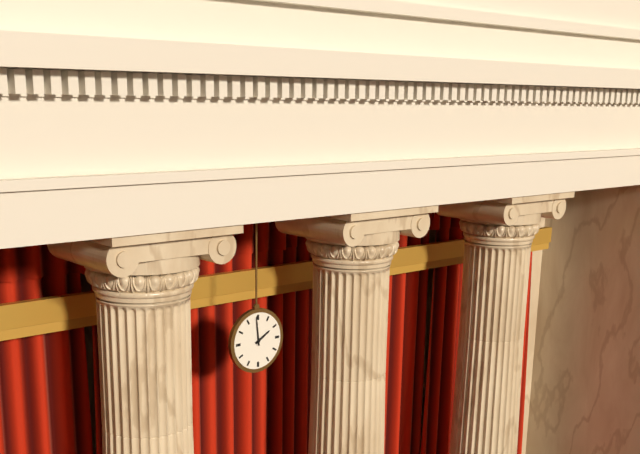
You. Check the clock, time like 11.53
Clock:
1.59
